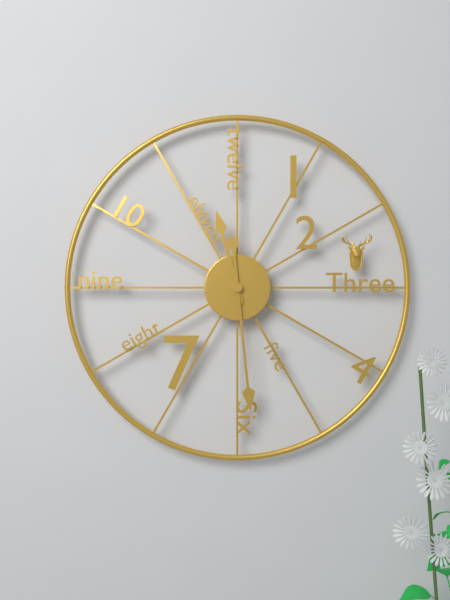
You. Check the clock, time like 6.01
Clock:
11.29
